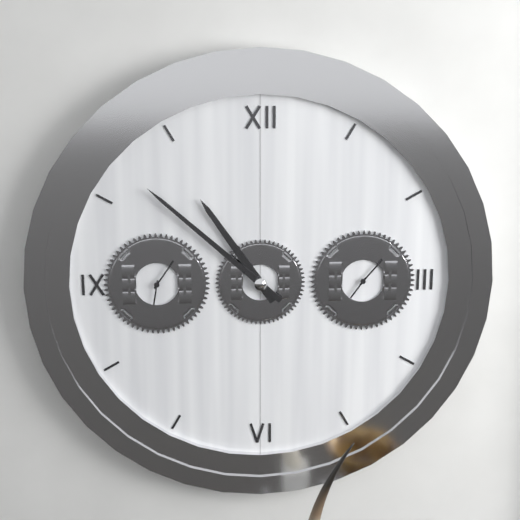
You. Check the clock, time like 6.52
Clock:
10.52
